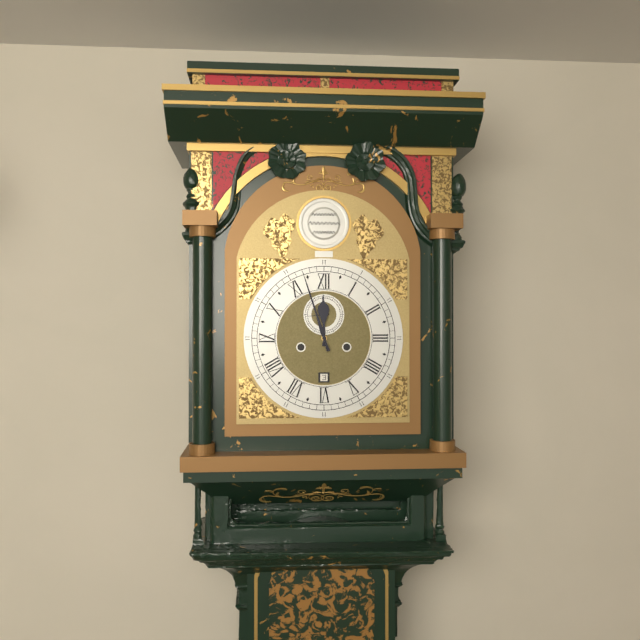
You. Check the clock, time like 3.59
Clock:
11.57
